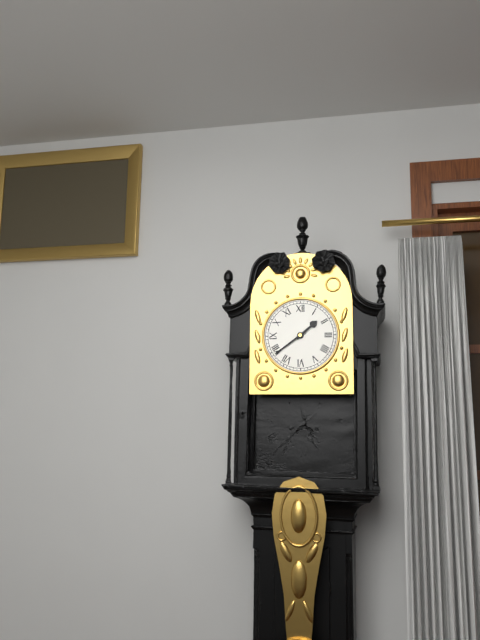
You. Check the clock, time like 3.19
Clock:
1.39
